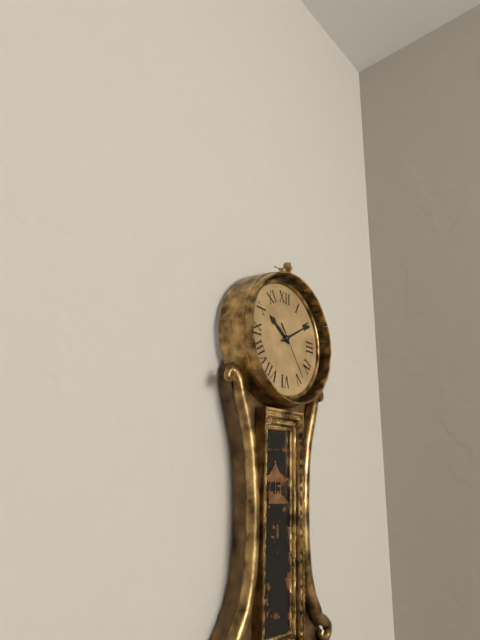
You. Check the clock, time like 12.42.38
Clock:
10.10.24
